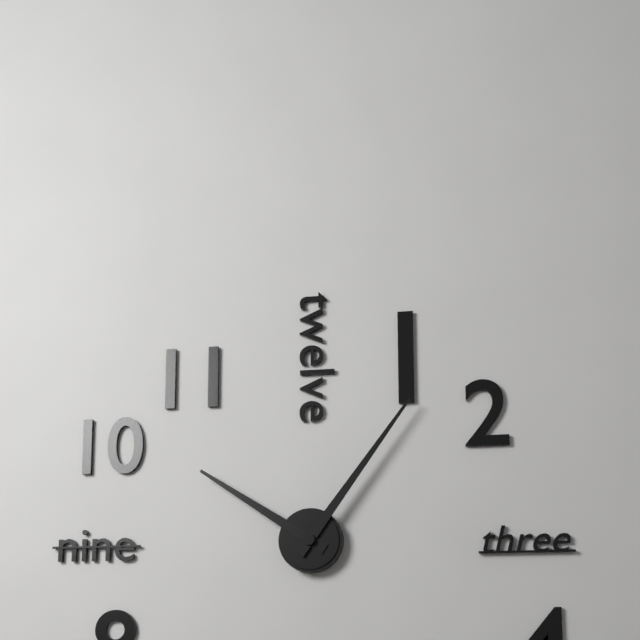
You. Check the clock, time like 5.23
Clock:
10.06
